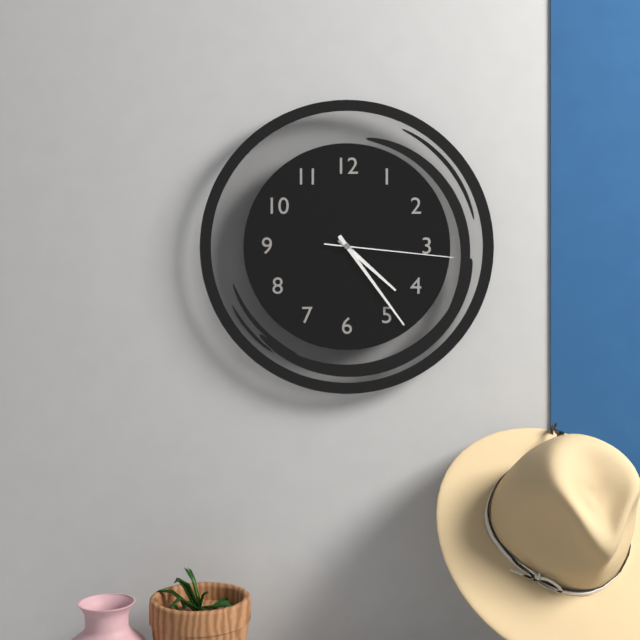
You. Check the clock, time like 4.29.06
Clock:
4.24.16
